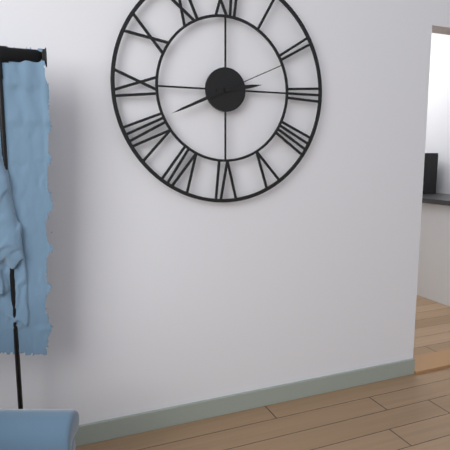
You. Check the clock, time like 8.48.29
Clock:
2.41.11
